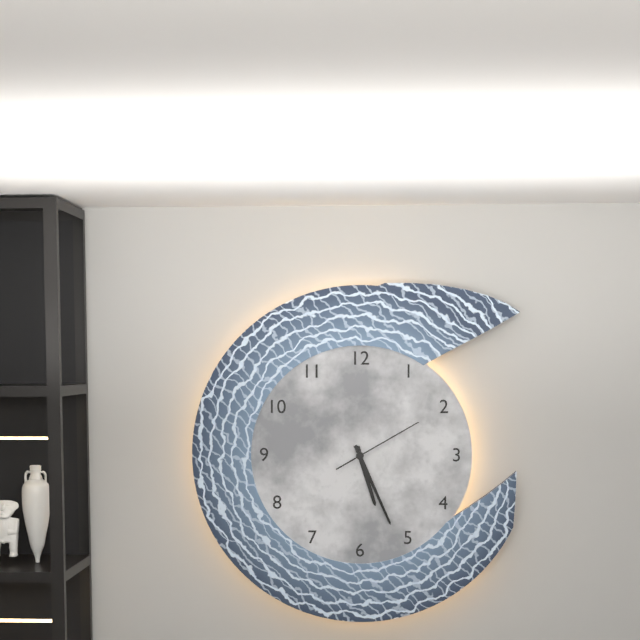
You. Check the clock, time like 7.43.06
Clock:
5.26.10
